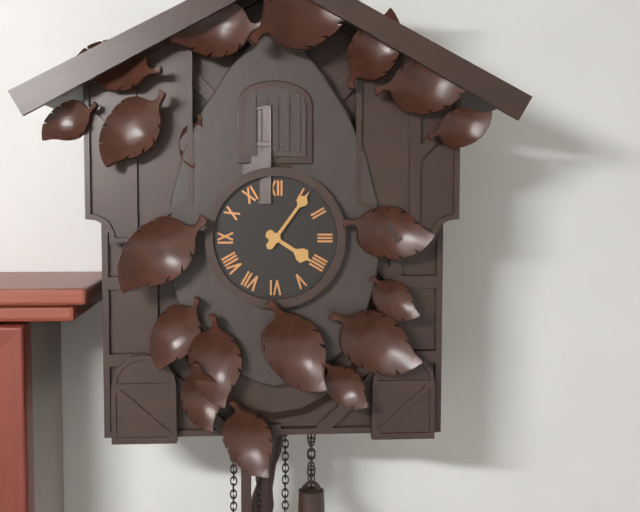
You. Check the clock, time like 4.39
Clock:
4.06
